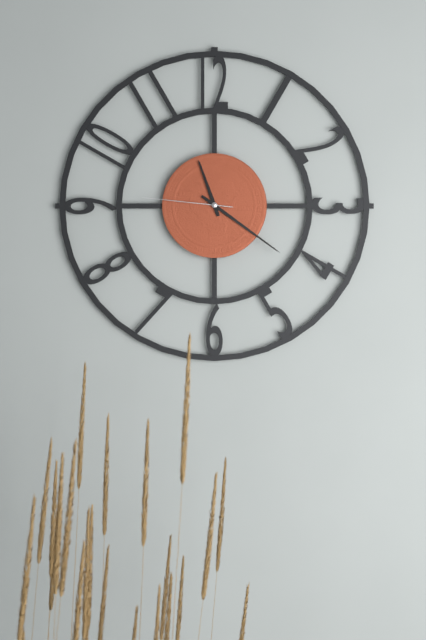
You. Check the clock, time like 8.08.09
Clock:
11.21.46
